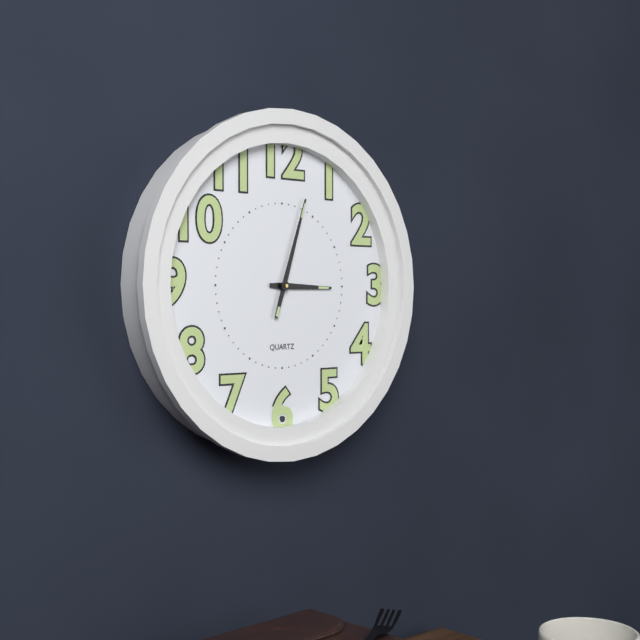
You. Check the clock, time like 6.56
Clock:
3.03
